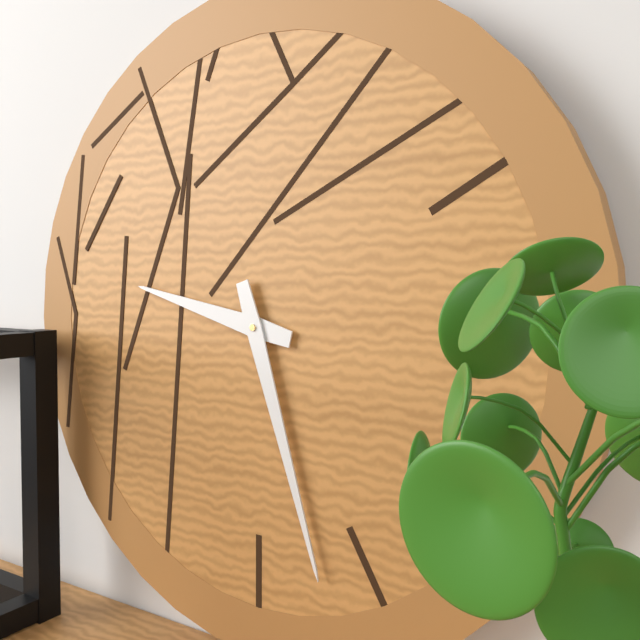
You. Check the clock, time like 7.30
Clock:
9.27
